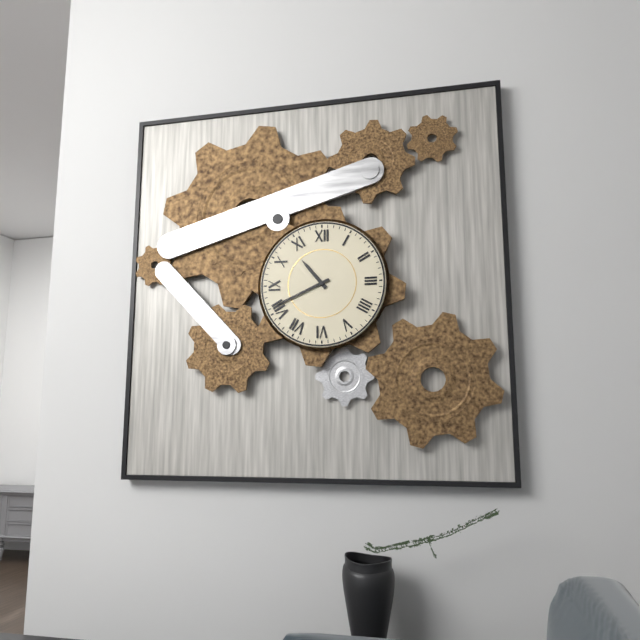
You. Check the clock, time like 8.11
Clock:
10.41
